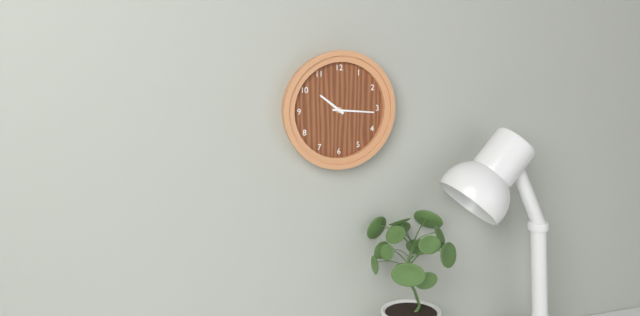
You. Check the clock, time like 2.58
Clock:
10.16
